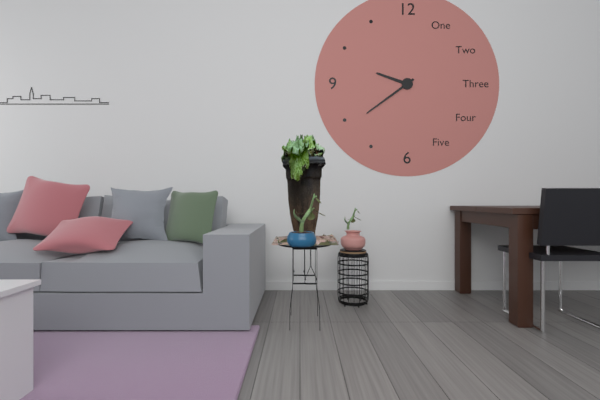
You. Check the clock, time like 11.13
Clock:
9.39
